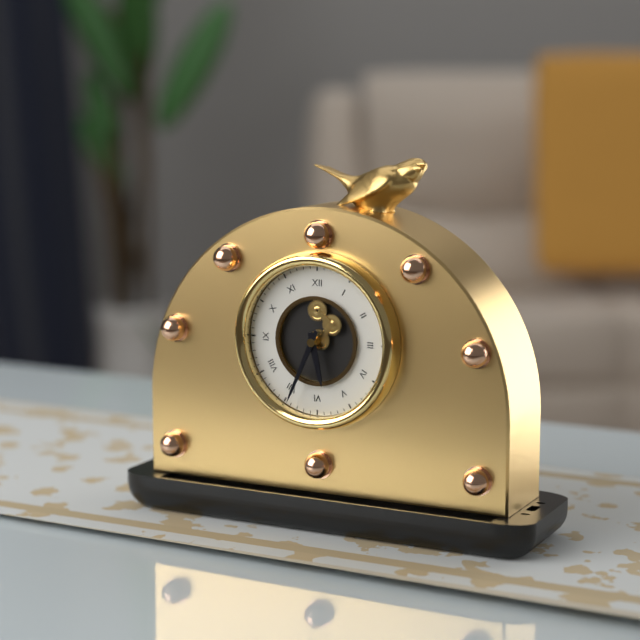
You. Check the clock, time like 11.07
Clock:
5.34
